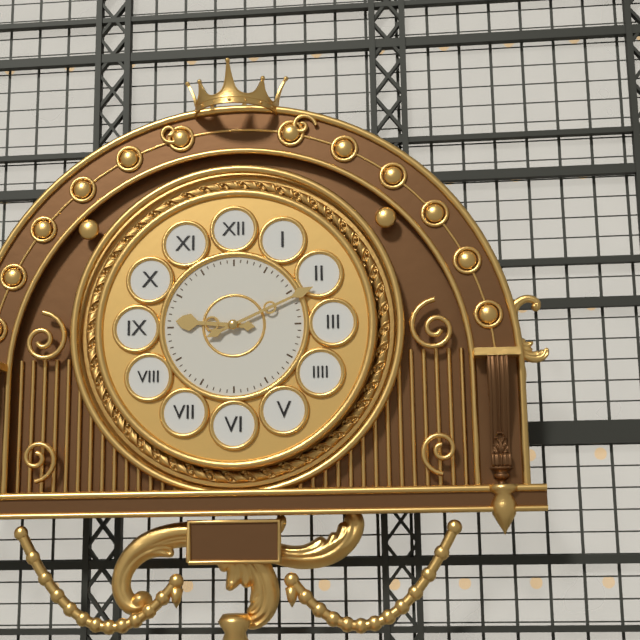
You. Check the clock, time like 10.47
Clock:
9.11
